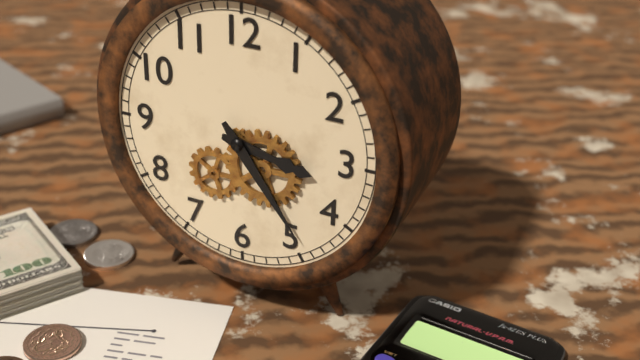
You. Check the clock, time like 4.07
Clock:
3.24
